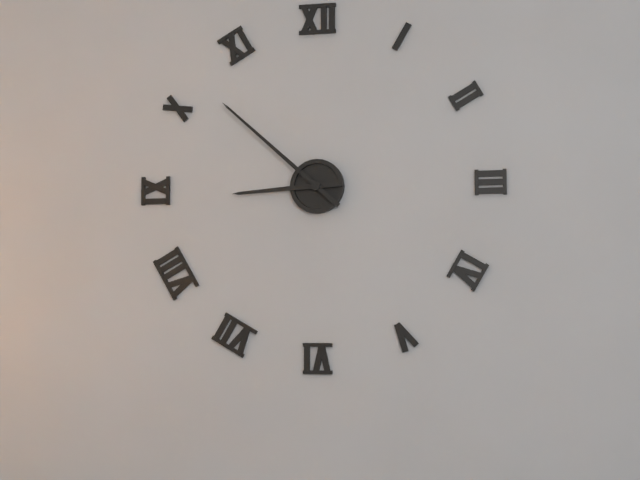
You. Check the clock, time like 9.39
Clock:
8.52
